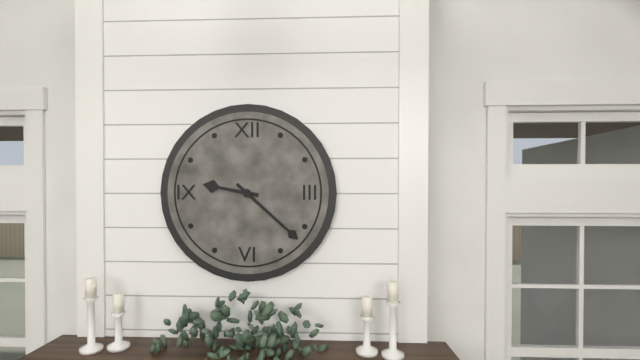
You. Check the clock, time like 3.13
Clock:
9.22
